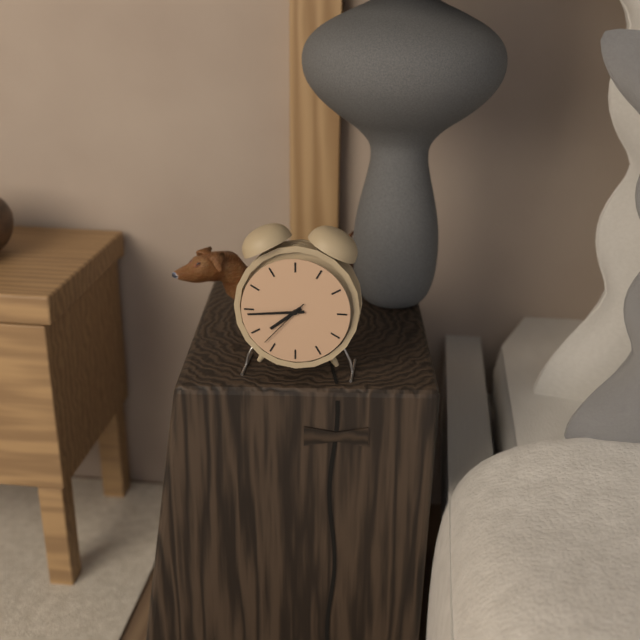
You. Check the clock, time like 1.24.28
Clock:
7.44.37
